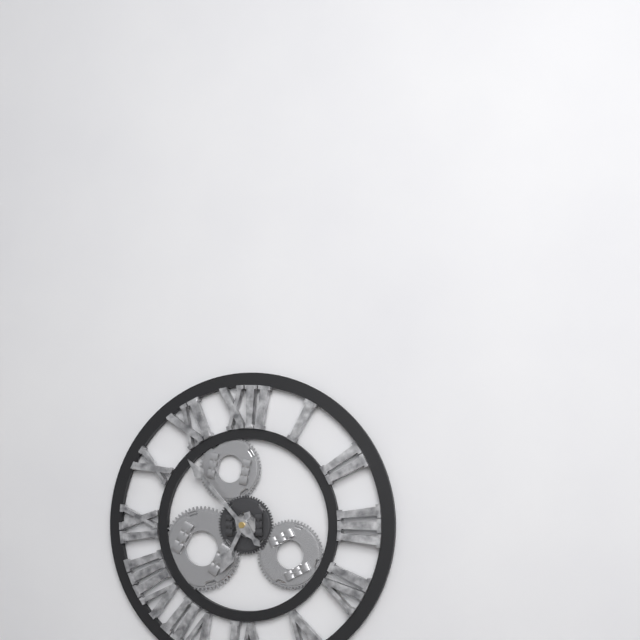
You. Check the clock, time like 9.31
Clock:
6.53
